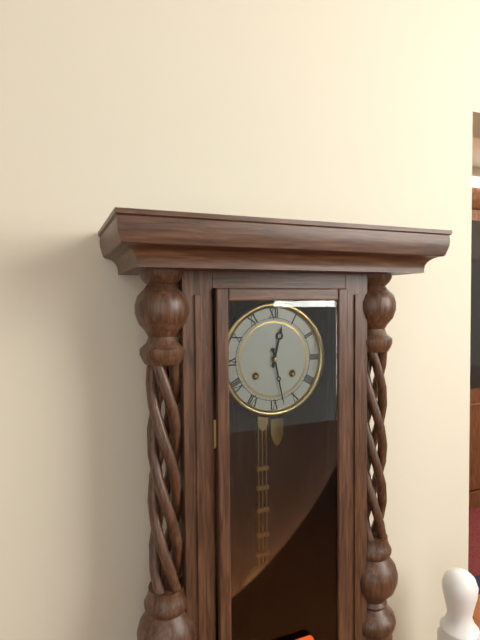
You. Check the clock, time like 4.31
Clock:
12.28
